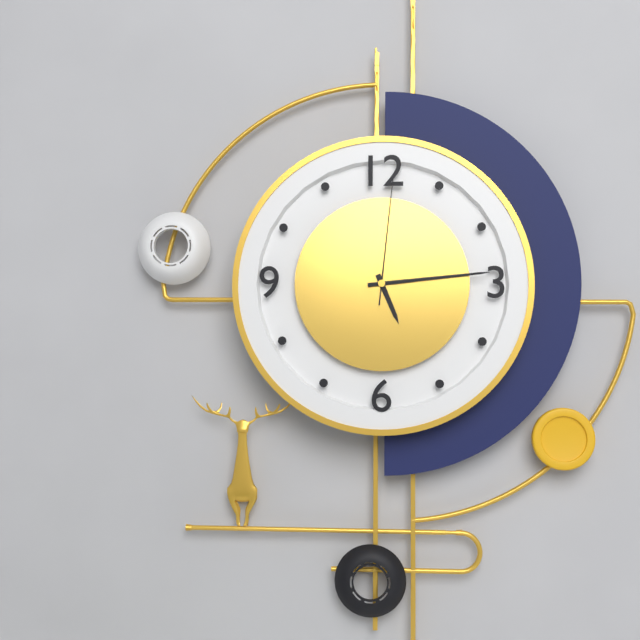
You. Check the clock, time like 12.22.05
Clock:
5.14.01
